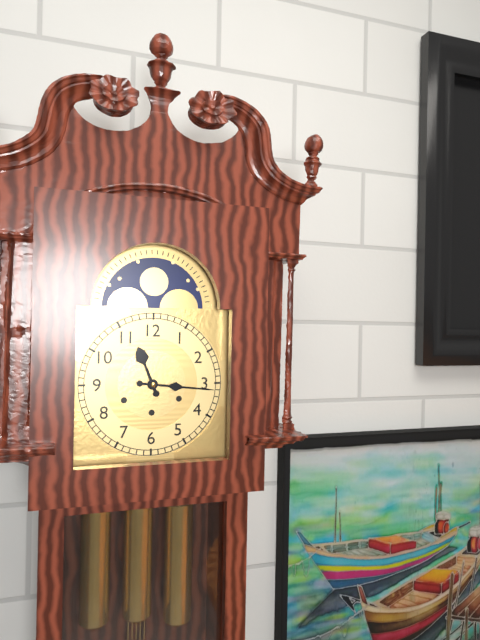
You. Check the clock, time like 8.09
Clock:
11.16
